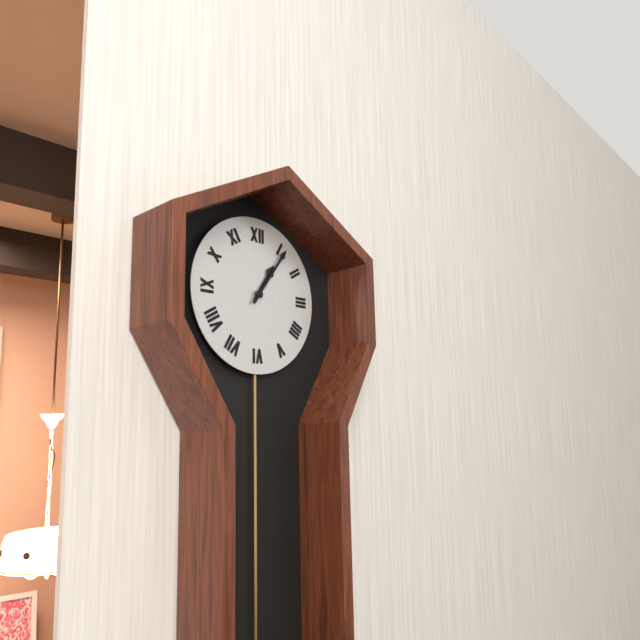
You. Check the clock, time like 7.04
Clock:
1.06
